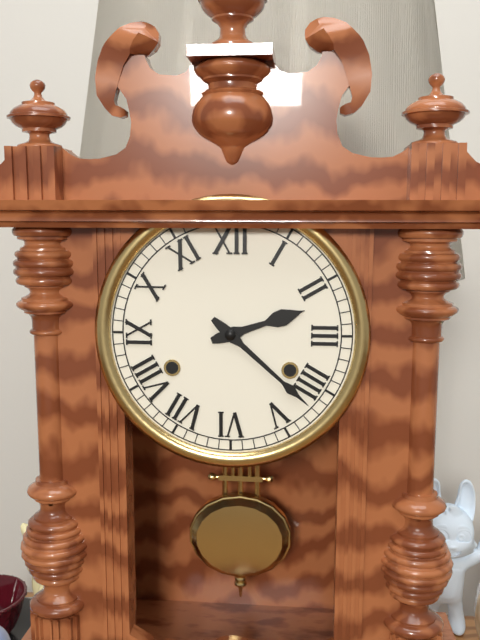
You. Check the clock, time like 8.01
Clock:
2.22
